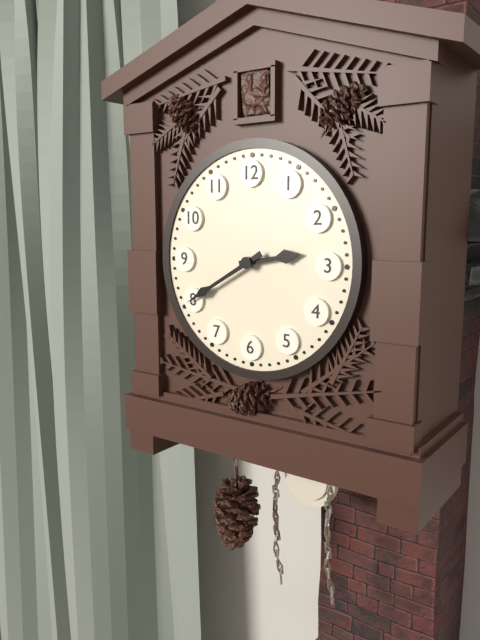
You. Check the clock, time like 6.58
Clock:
2.40
